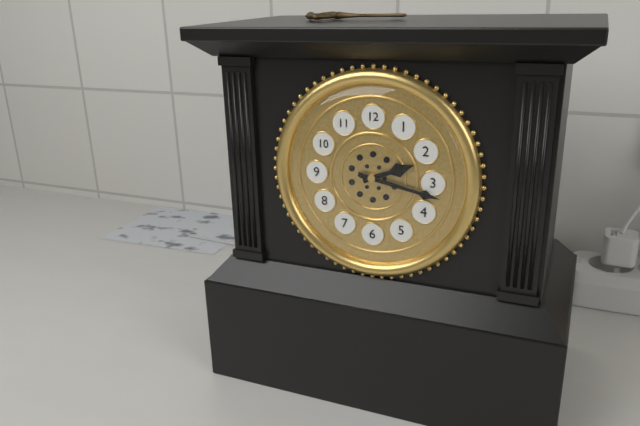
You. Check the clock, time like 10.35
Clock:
2.17
